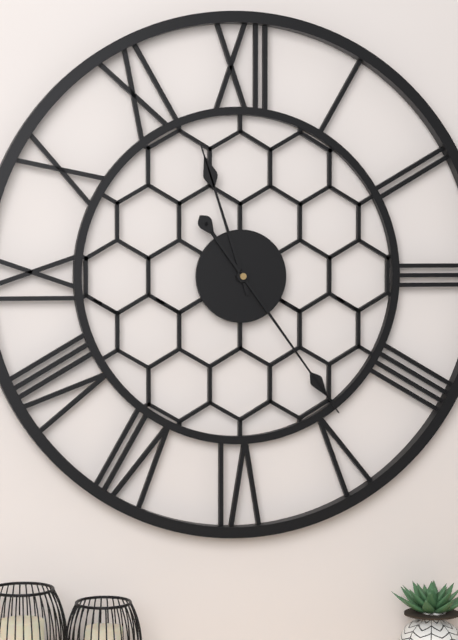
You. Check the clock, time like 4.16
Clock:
11.24
